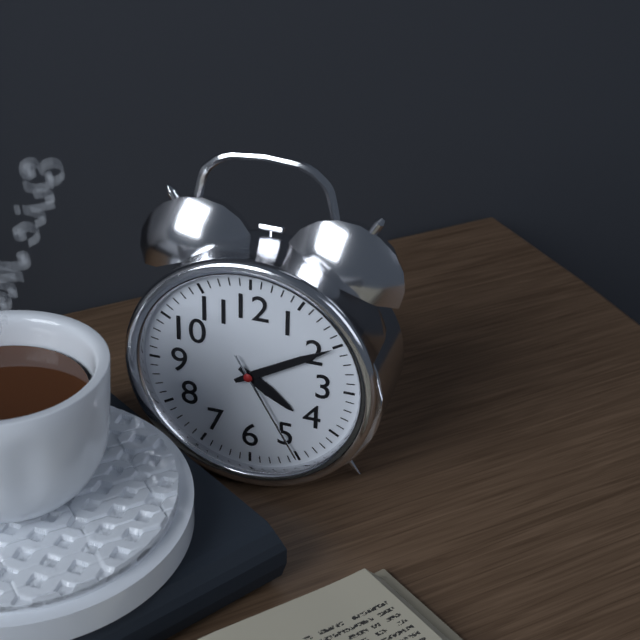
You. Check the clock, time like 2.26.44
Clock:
4.10.25
